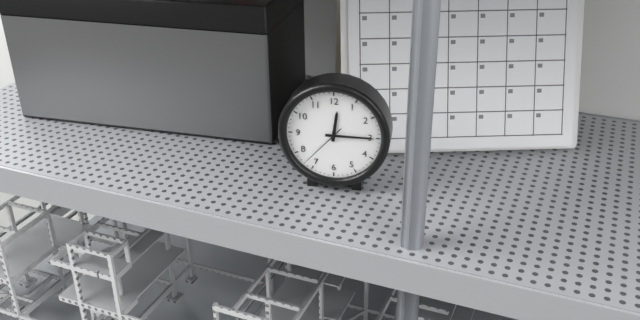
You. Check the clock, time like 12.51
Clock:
12.15
